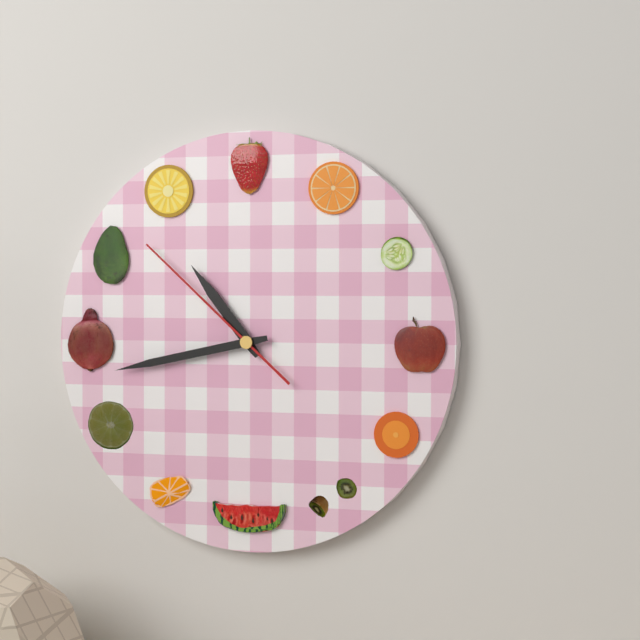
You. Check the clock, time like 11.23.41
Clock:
10.43.52
